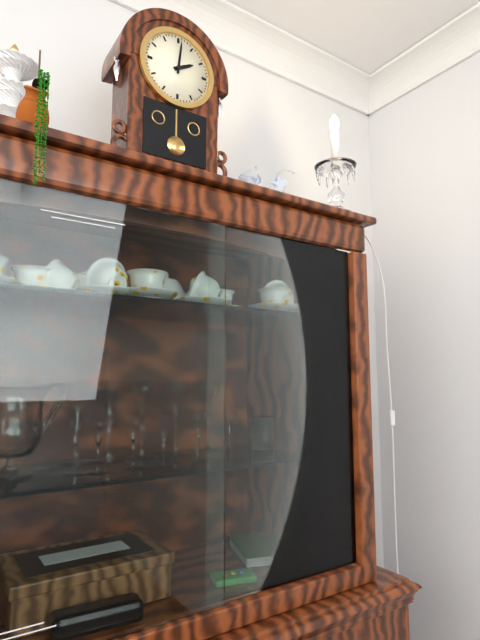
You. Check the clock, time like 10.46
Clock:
2.01
